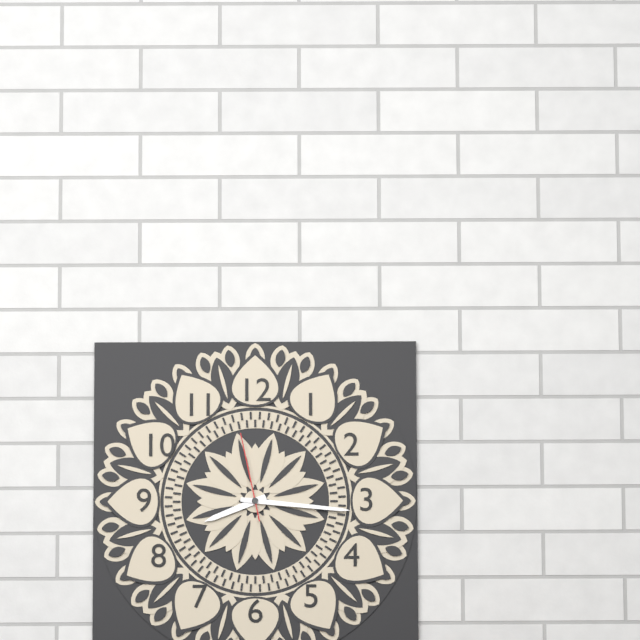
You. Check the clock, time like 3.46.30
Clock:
8.16.58
